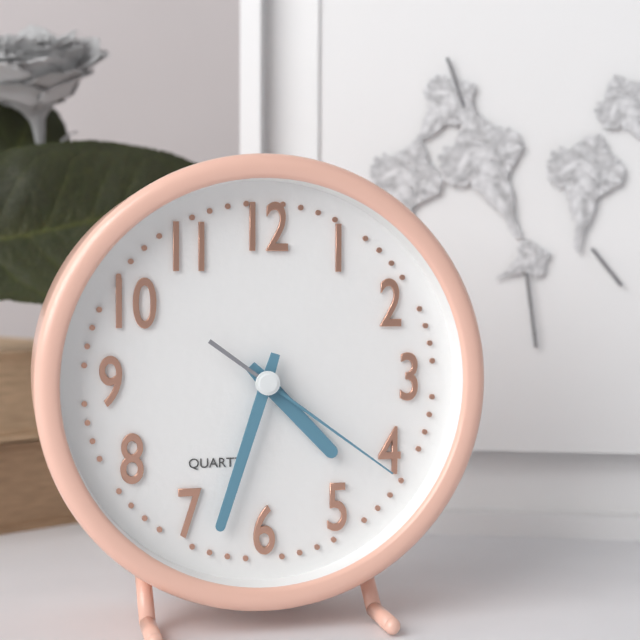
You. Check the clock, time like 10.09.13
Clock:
4.33.21
